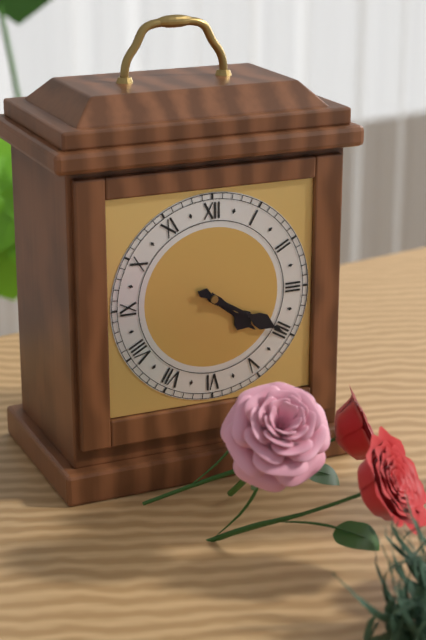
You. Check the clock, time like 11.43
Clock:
4.20
